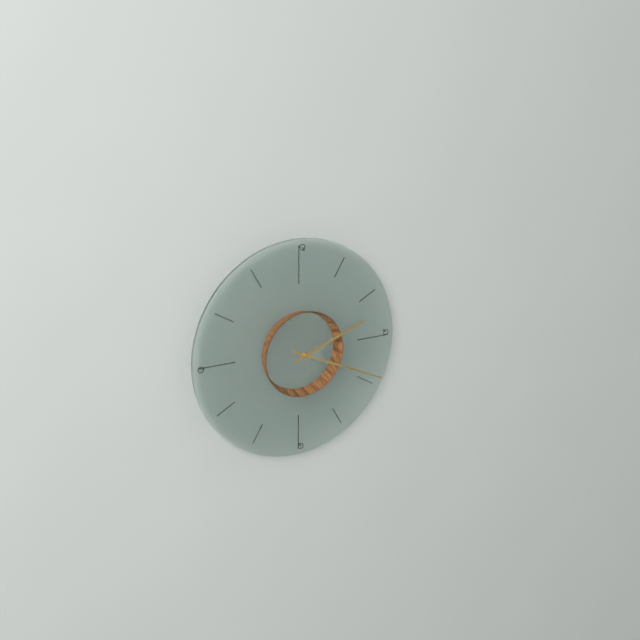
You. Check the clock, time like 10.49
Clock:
2.19
